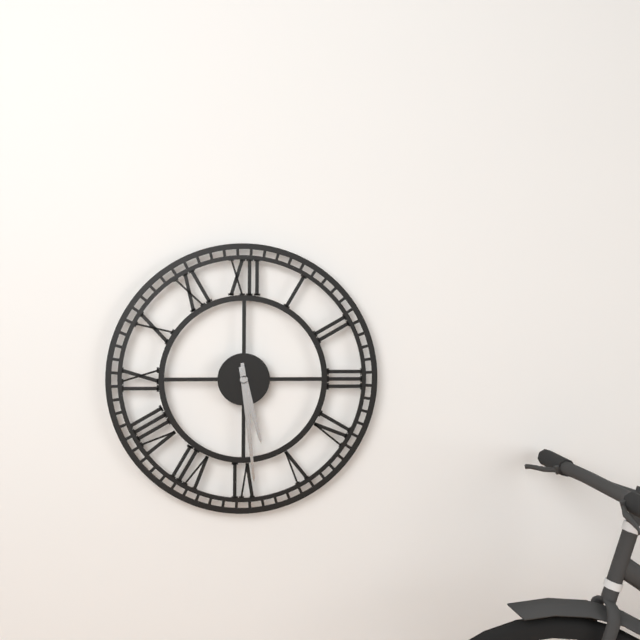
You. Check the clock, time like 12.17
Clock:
5.29
